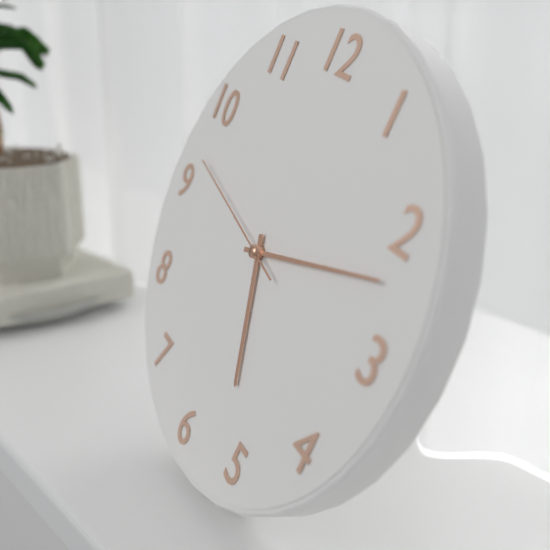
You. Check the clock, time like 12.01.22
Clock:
5.12.47
